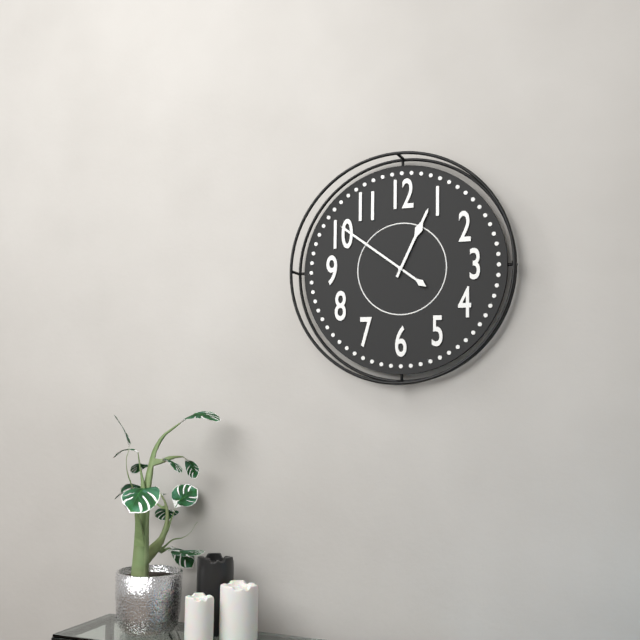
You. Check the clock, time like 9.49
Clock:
12.51
